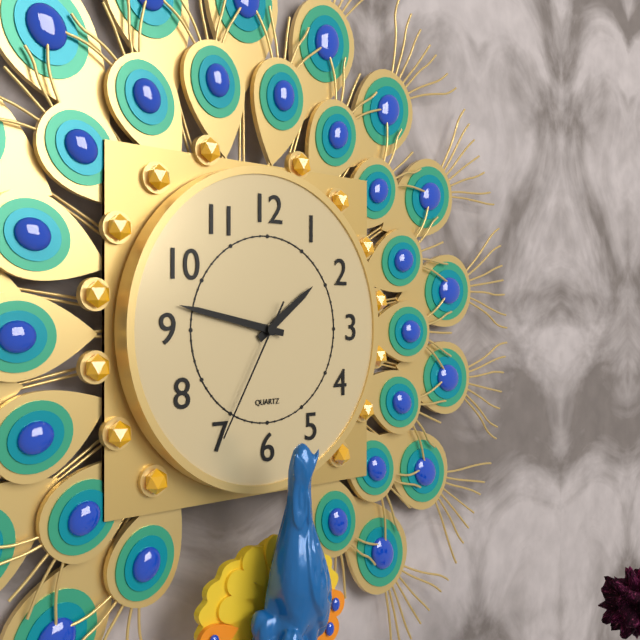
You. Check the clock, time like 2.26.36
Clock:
1.47.35
